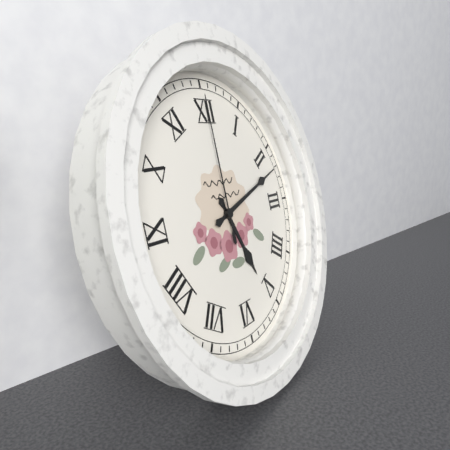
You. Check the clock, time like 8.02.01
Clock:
5.12.00
